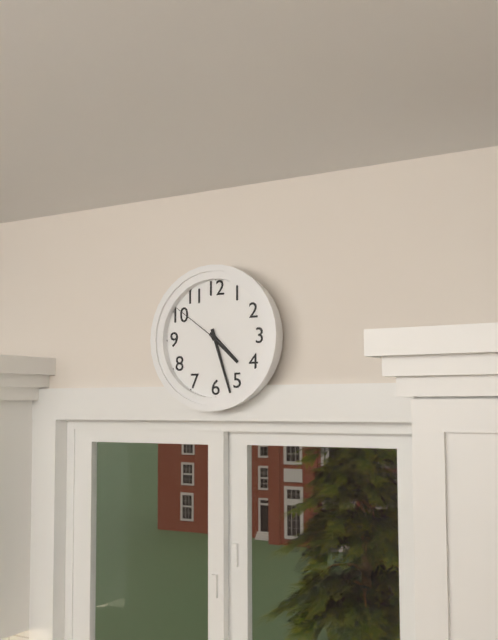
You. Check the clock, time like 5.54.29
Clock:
4.27.51
